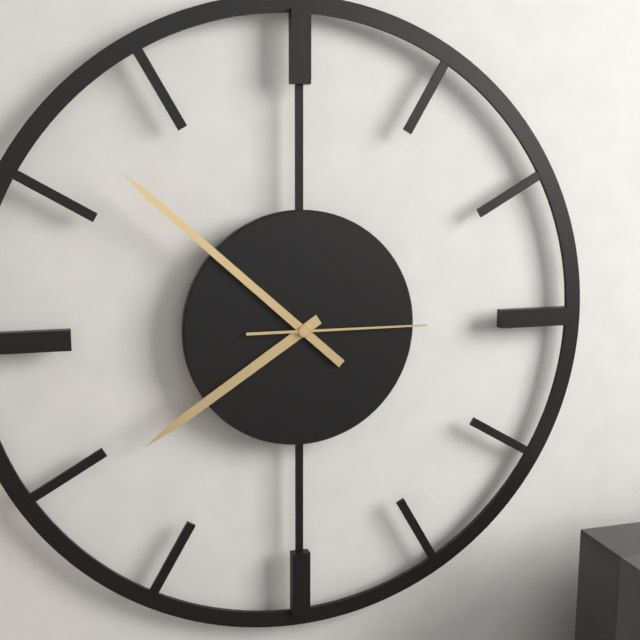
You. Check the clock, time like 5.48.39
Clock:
7.52.15
